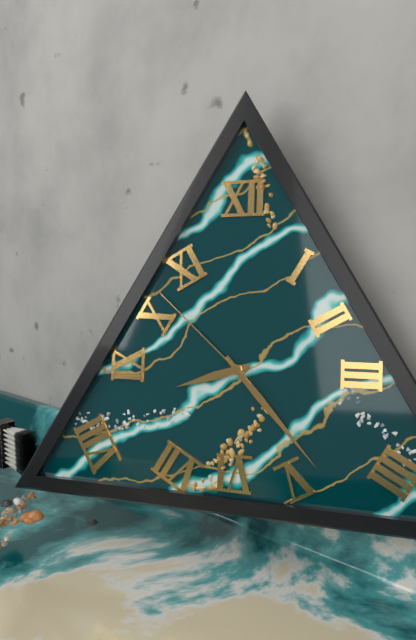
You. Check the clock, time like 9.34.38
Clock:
8.23.52
